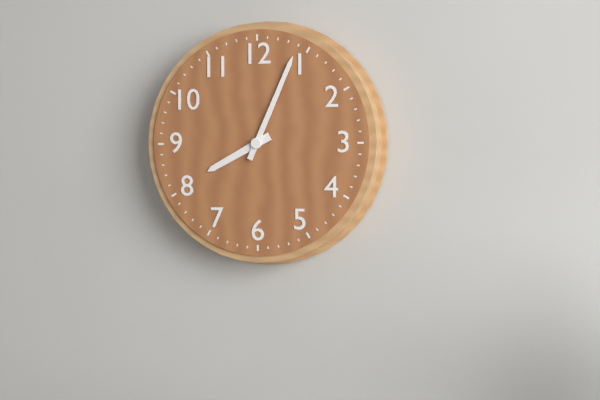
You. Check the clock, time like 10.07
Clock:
8.04
